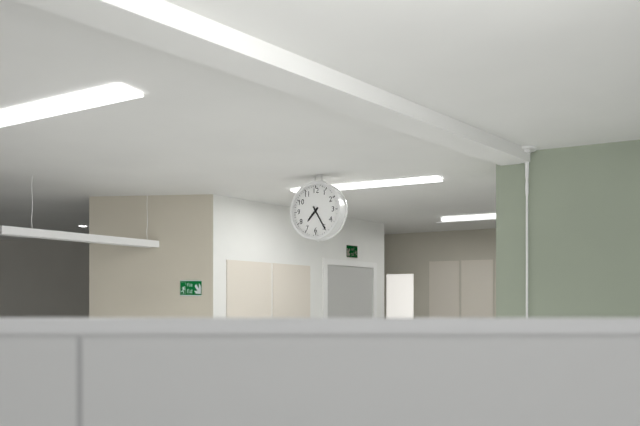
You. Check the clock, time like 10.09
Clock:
7.25
